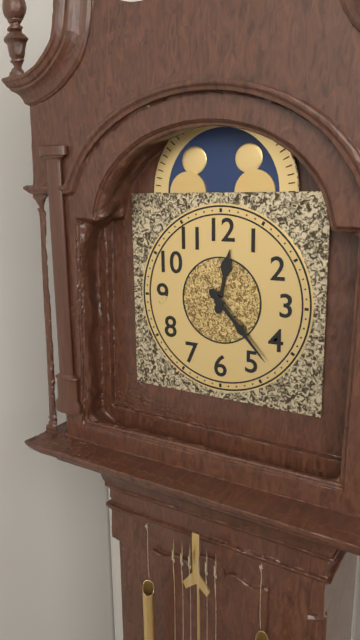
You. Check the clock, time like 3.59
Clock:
12.23
